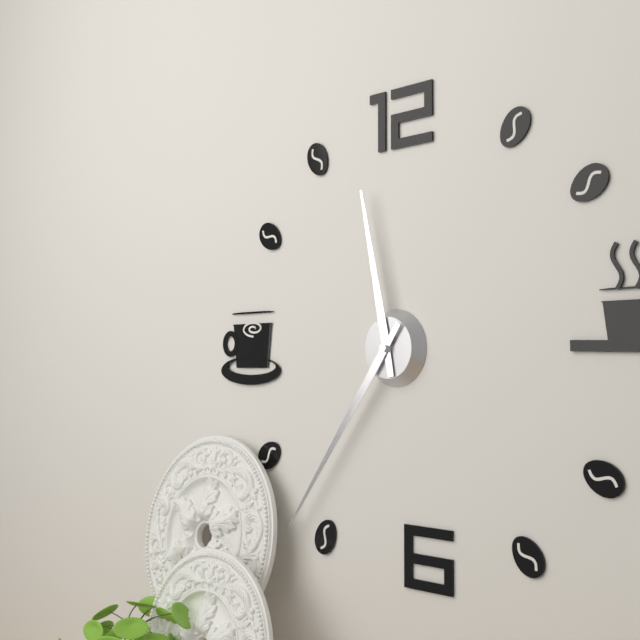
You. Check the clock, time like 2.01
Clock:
11.36
